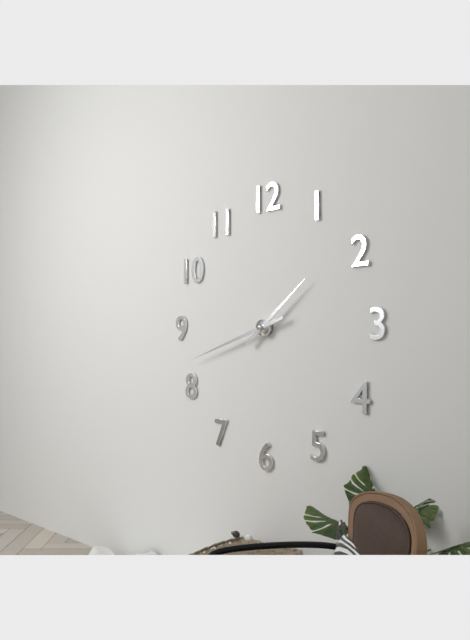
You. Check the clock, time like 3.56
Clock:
1.42
